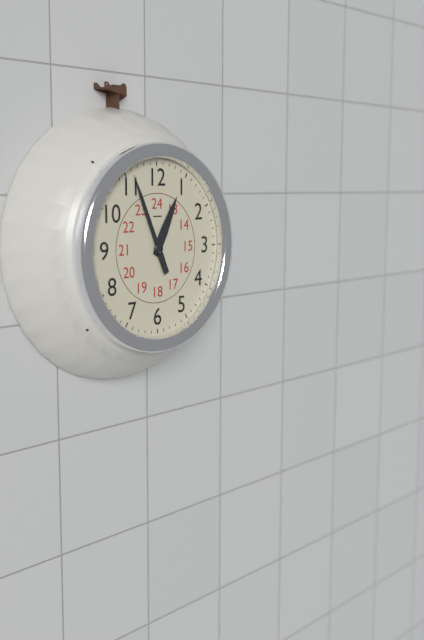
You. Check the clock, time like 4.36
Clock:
12.56
